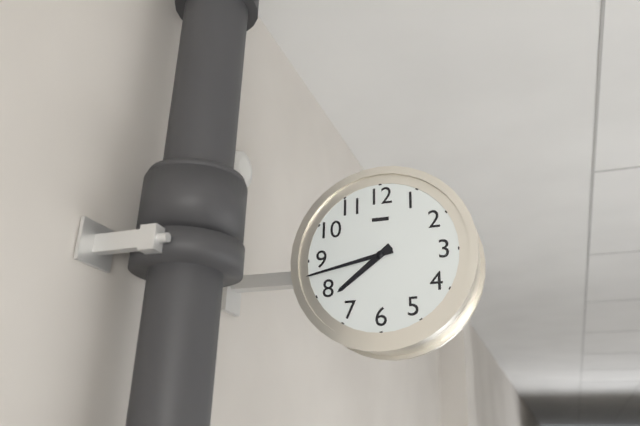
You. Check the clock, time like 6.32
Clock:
7.43
